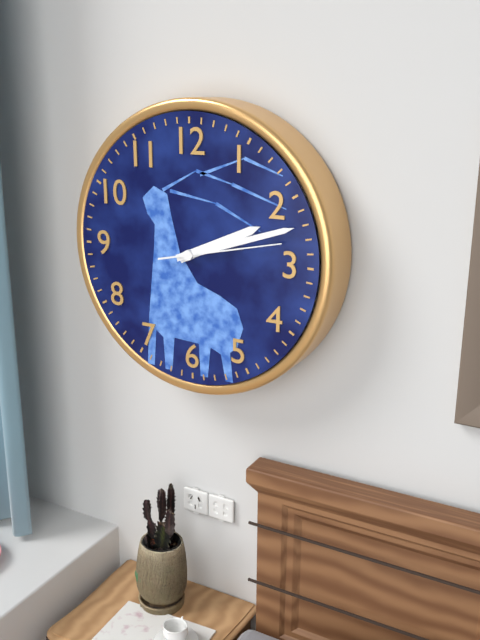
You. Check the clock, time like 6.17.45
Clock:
2.12.13
